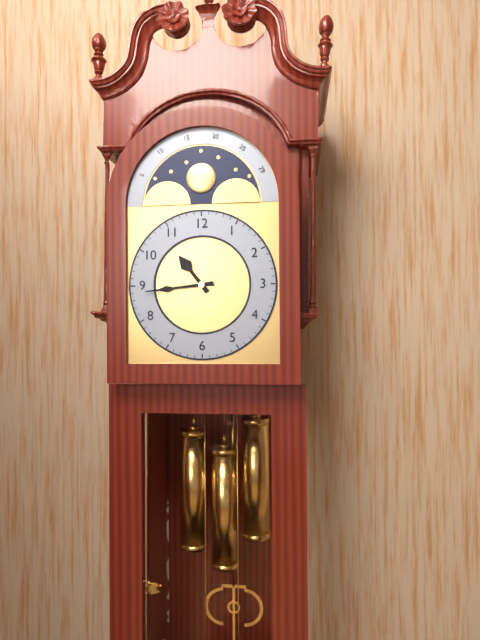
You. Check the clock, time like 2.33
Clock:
10.44
